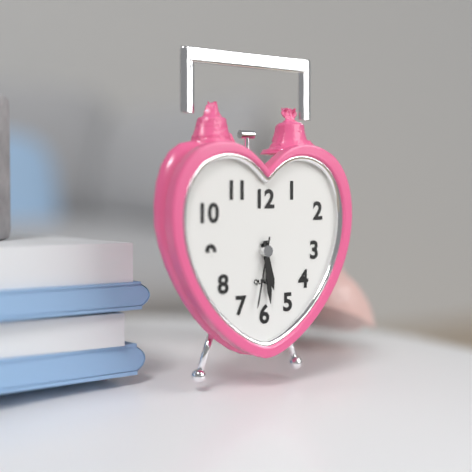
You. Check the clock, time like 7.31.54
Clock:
5.29.32
